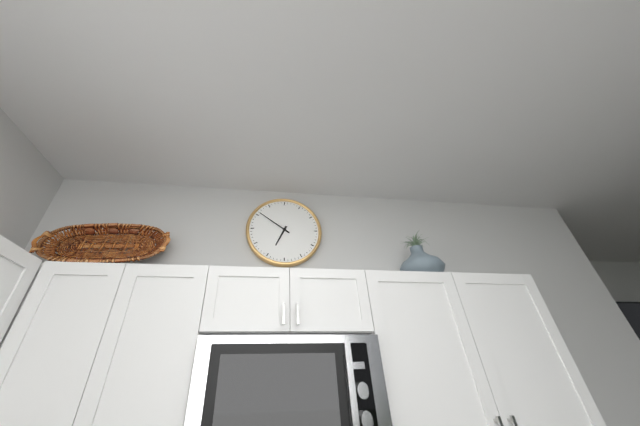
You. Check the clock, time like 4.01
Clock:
6.51
